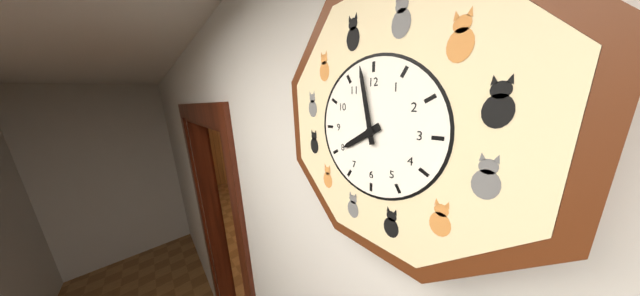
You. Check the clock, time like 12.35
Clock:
7.58
